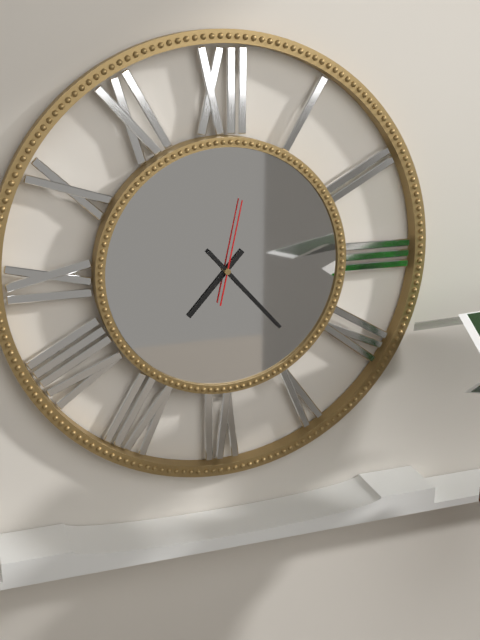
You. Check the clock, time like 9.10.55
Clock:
7.23.02
